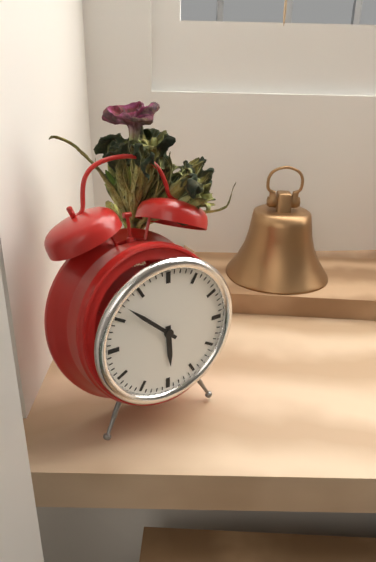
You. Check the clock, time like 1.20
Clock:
5.52
